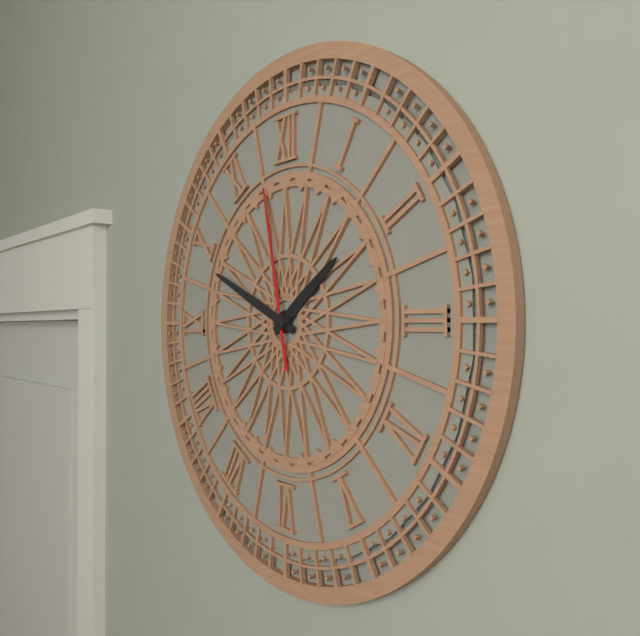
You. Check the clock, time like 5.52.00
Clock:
1.49.58
